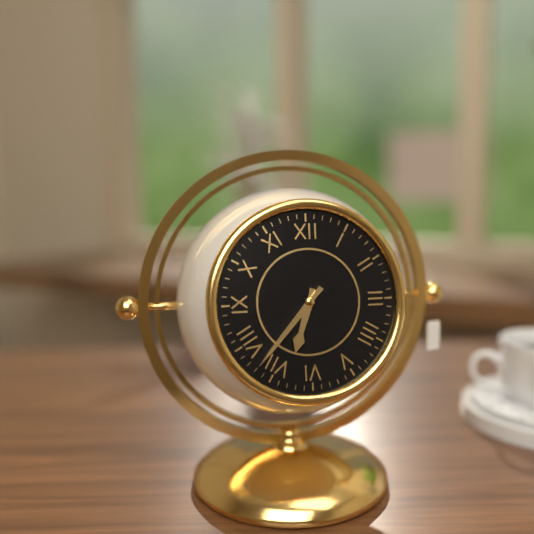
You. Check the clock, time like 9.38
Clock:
6.37
